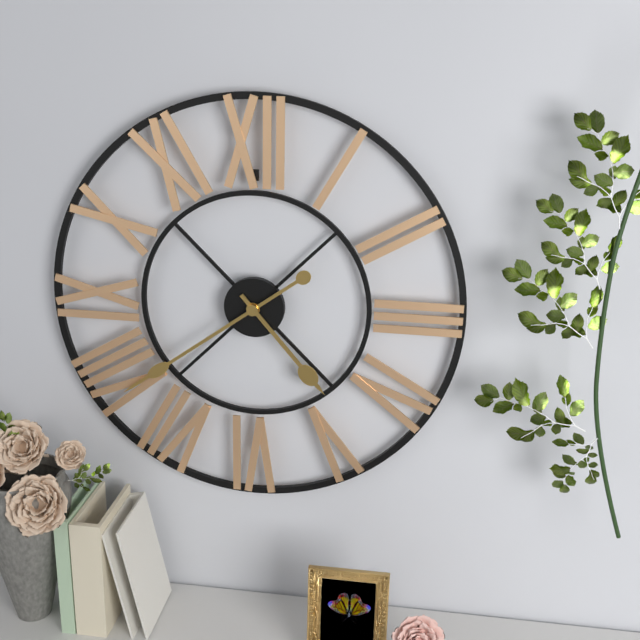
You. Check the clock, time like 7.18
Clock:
4.39
